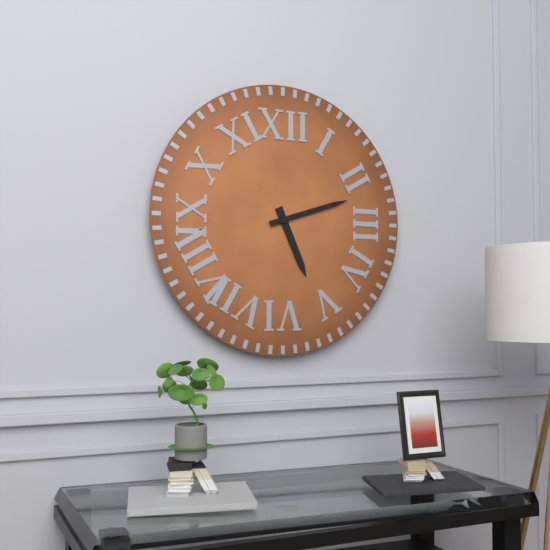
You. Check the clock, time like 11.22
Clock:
5.12
